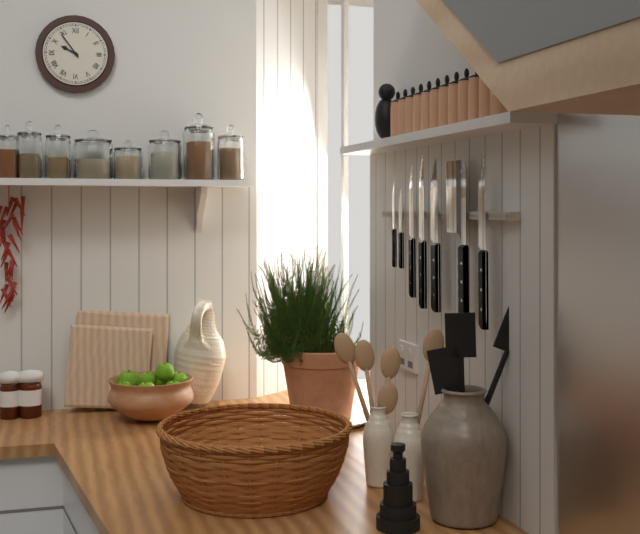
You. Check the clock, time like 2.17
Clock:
9.54
